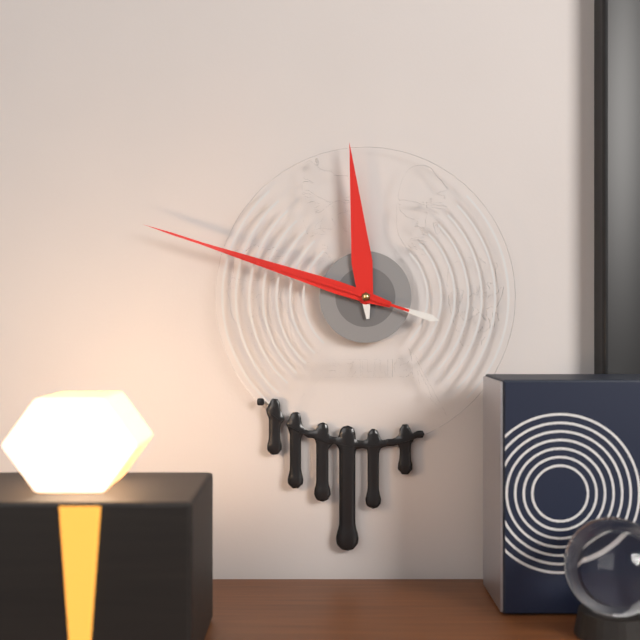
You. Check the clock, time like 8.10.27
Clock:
11.48.48
